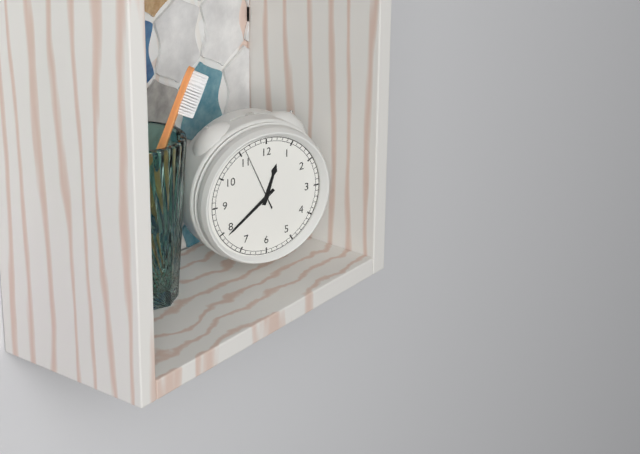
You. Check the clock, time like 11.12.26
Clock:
12.39.56
